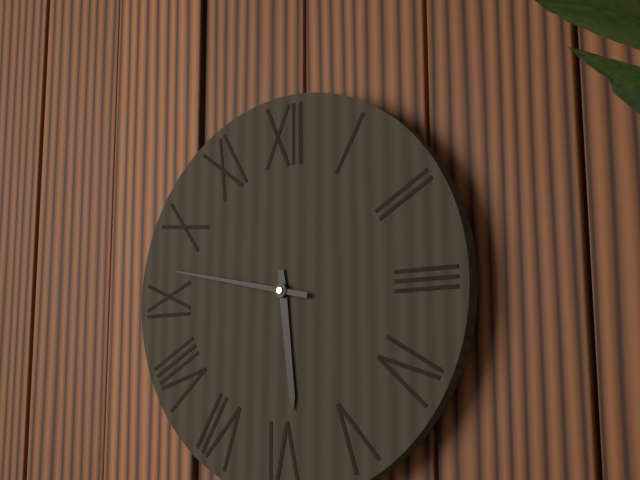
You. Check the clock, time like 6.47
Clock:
5.47
